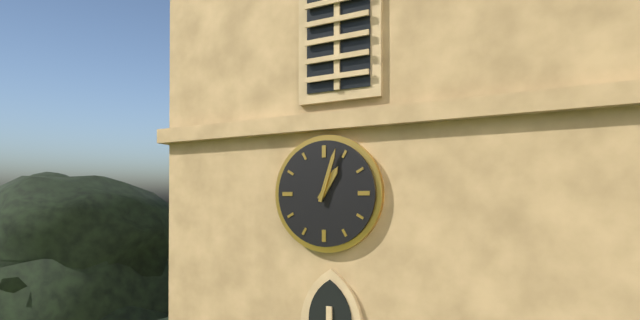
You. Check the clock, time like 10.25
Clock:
1.03
